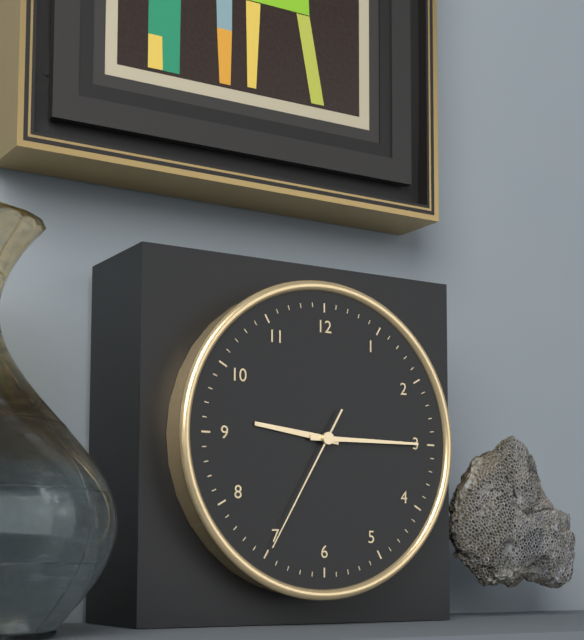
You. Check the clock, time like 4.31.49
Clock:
9.15.35
